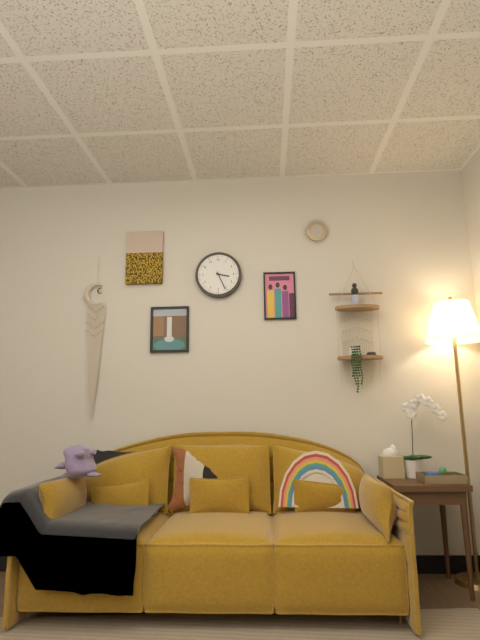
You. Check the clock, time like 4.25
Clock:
3.26
